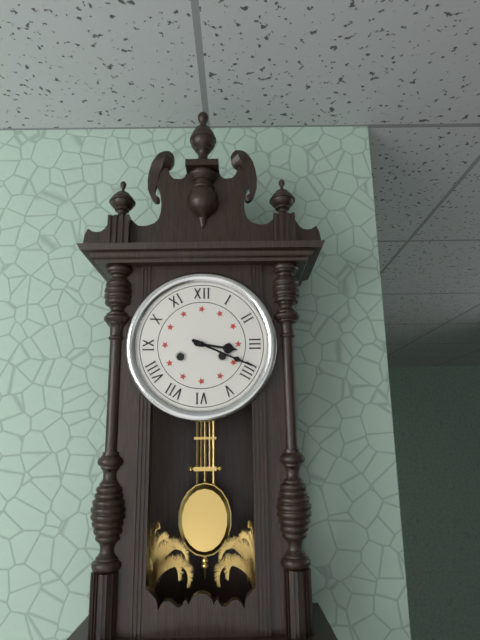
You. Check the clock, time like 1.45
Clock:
3.19
